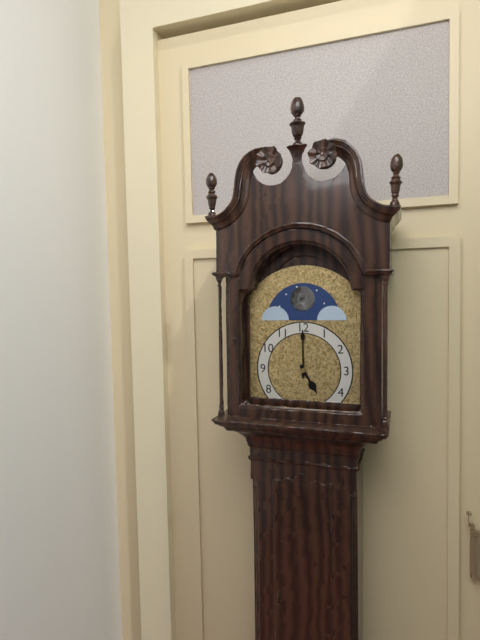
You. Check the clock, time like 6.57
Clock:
5.00
